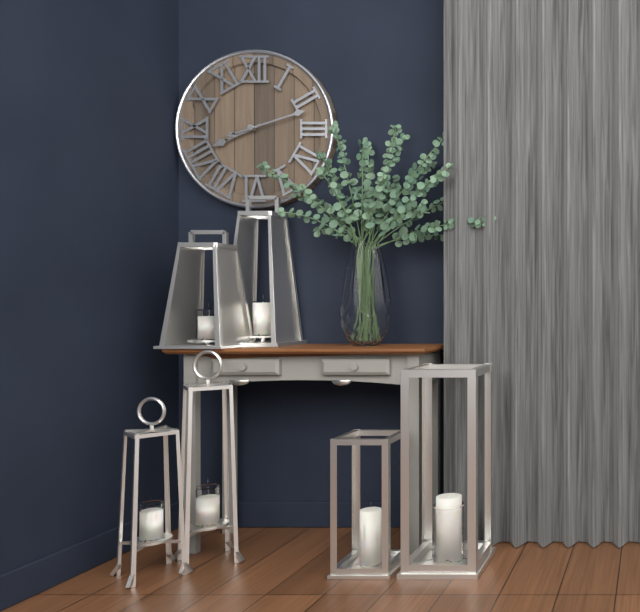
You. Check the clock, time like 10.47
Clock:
8.12
